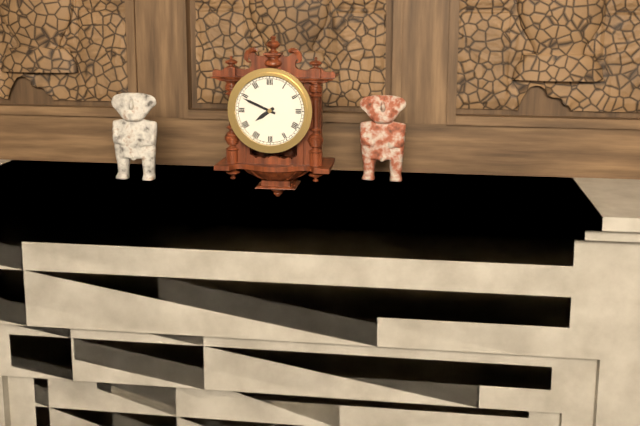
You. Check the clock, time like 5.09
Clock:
7.49
